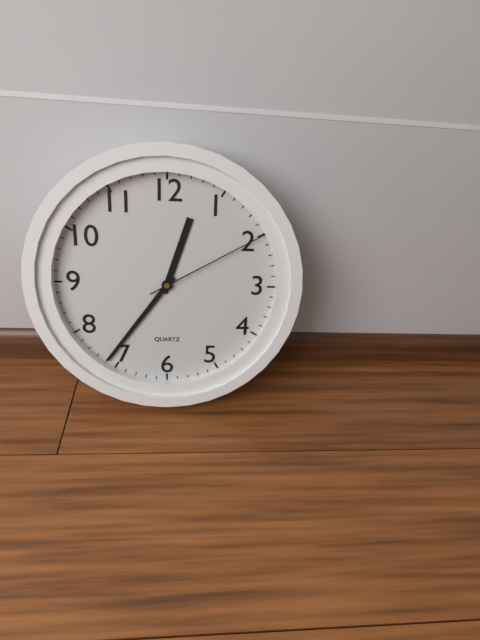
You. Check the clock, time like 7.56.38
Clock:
12.36.10
